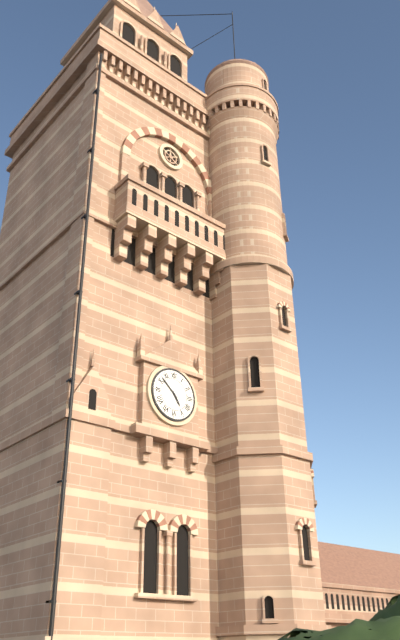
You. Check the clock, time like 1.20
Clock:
4.52
